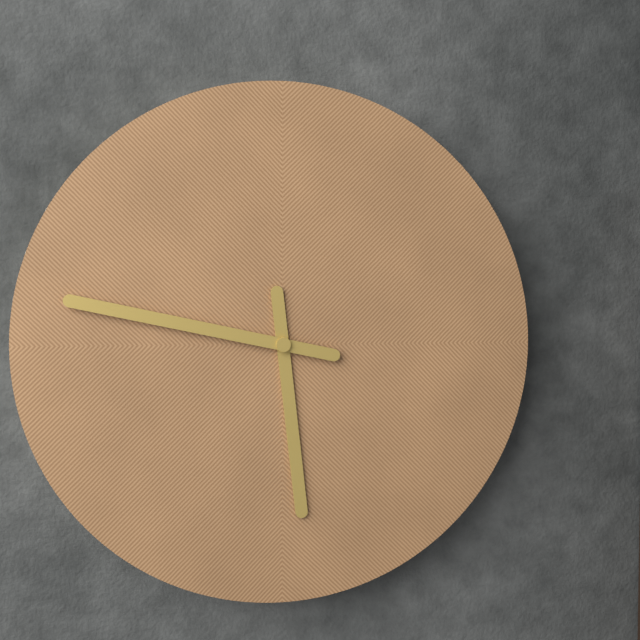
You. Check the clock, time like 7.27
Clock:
5.47
